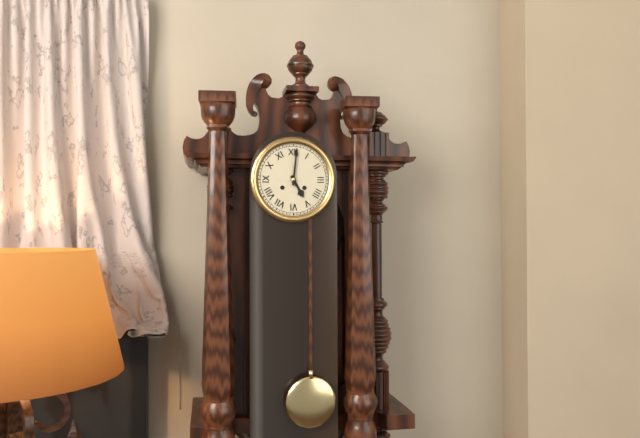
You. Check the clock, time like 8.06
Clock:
5.01
